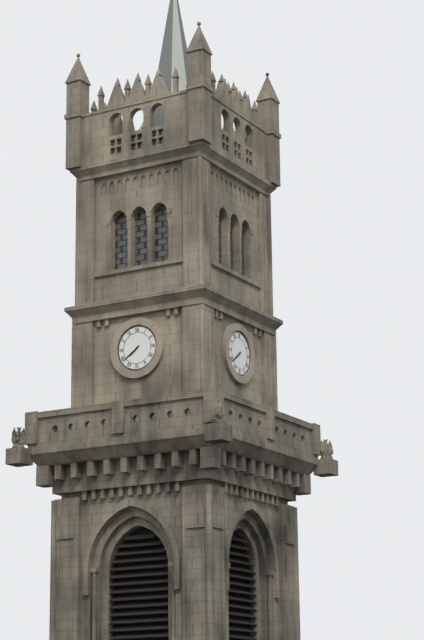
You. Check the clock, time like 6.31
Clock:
7.39
